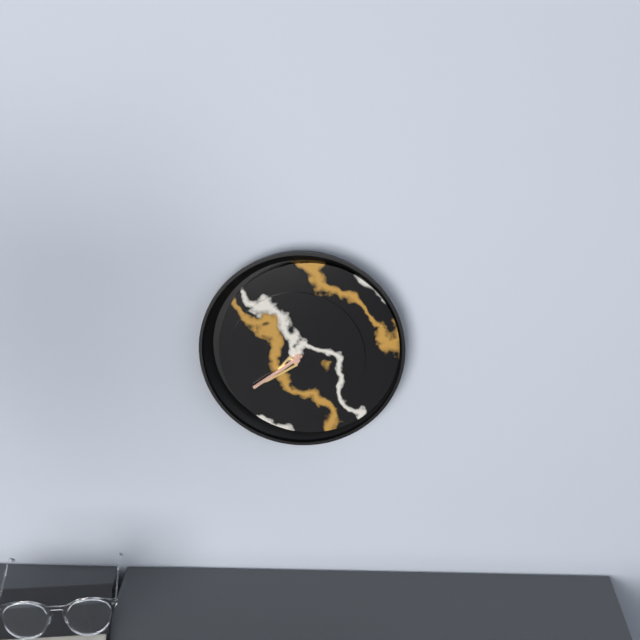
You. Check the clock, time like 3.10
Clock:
7.39
